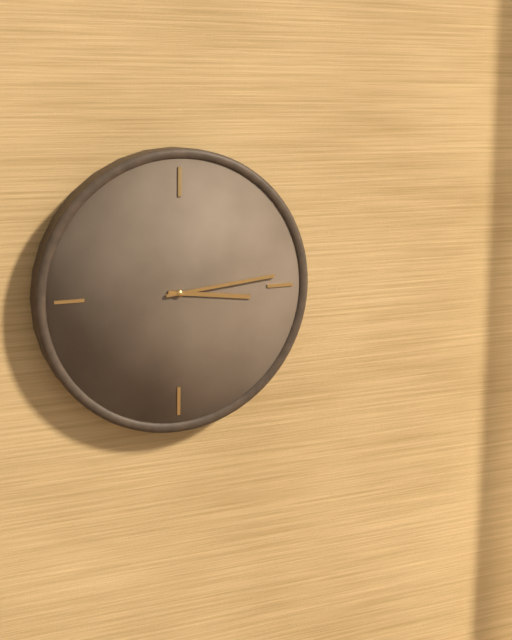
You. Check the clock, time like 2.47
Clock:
3.14
